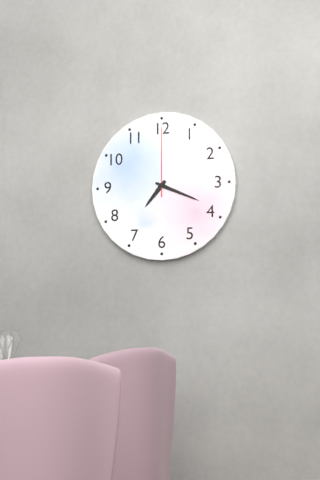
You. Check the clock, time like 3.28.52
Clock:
7.19.00
